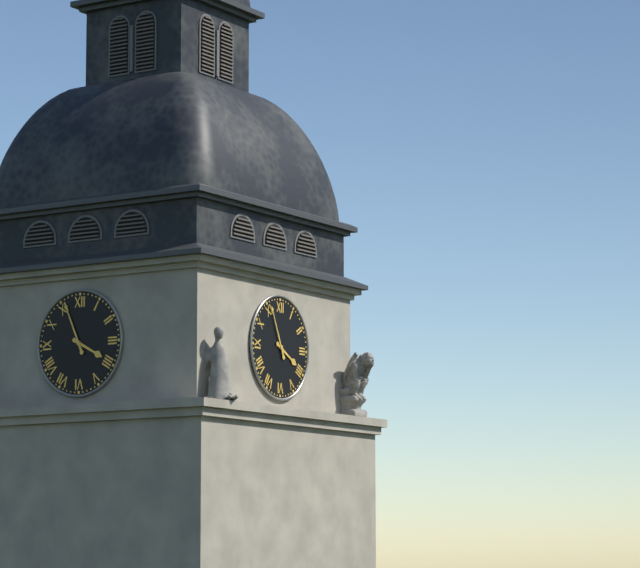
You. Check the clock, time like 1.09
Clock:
3.56
